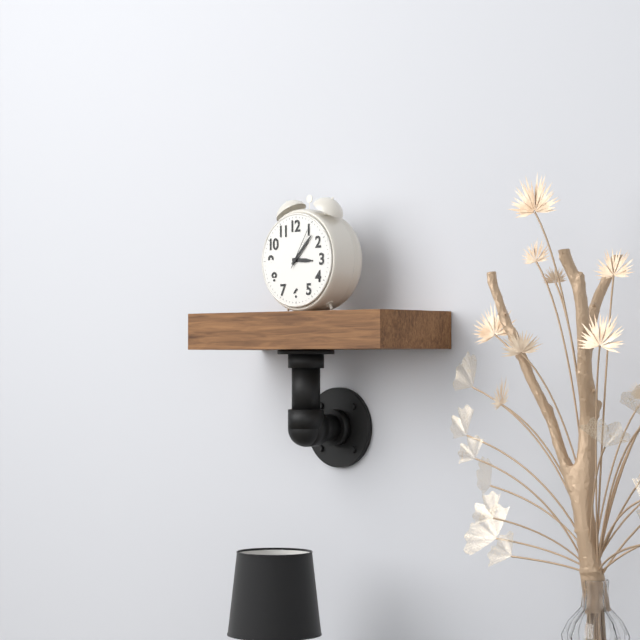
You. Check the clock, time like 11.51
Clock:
3.07
